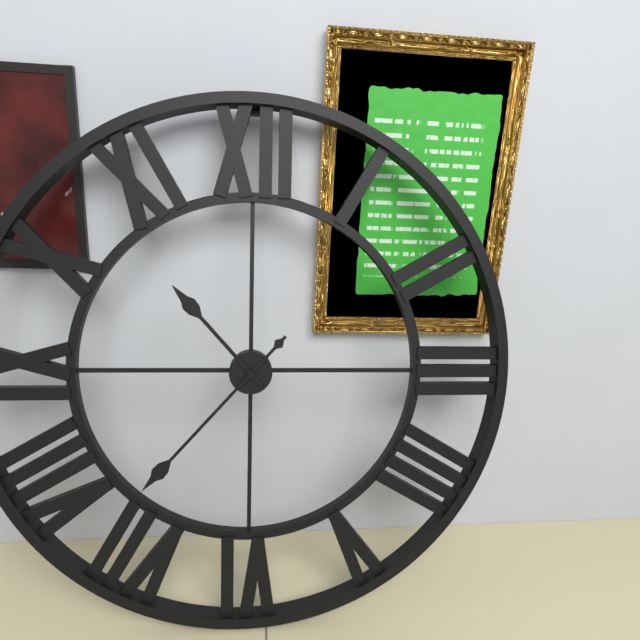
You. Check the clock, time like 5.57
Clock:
10.37
